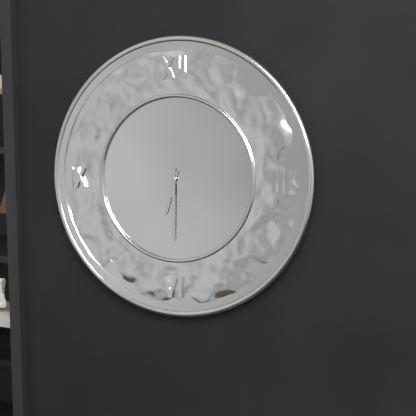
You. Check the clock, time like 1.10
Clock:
6.30
